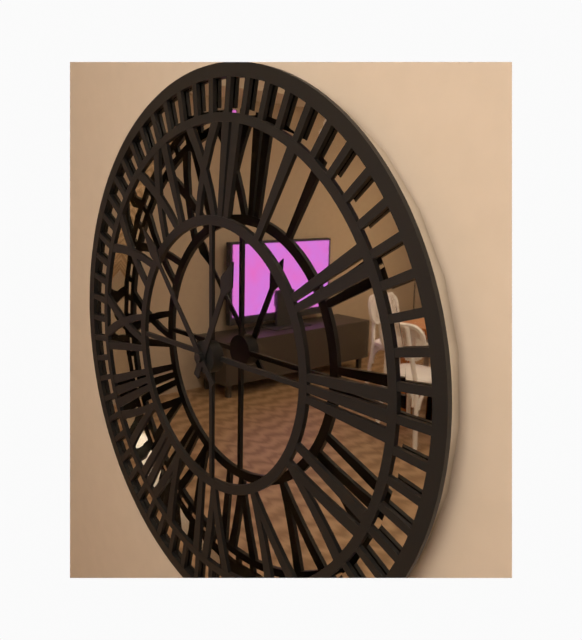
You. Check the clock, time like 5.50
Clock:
12.53
